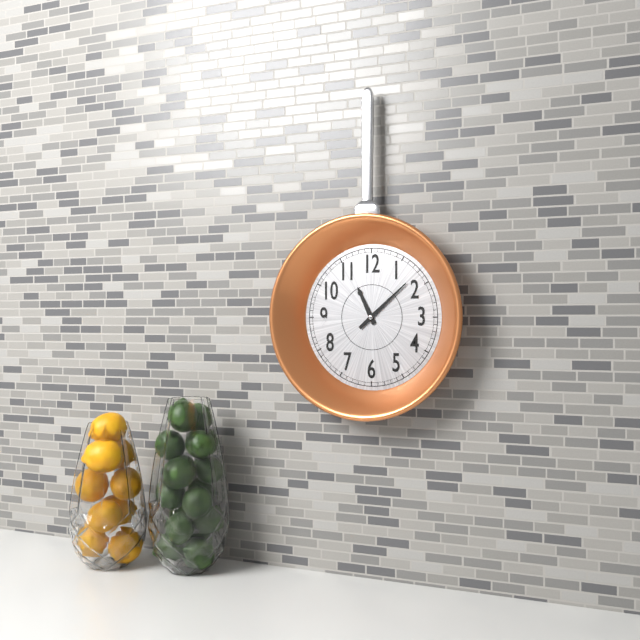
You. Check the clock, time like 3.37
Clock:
11.08
